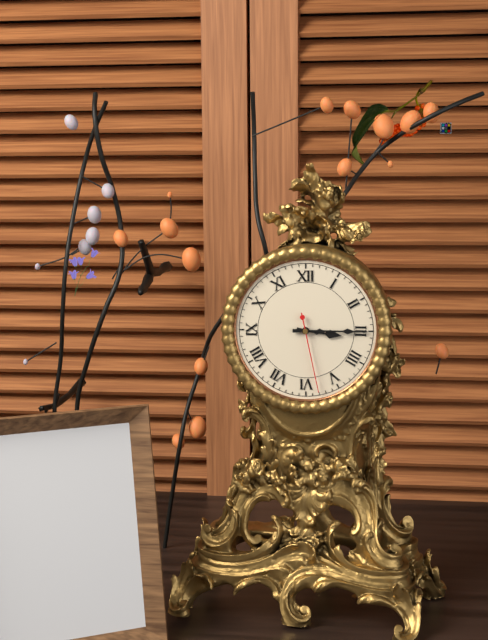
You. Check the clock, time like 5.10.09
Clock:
3.15.28
